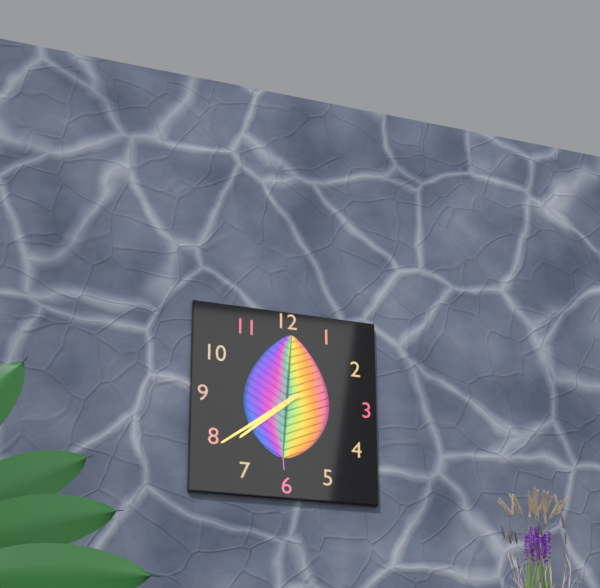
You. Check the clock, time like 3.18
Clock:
7.39
